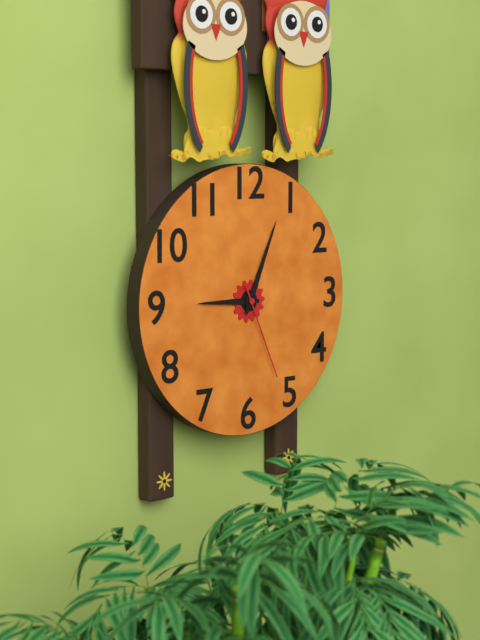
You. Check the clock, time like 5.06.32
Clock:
9.04.26
